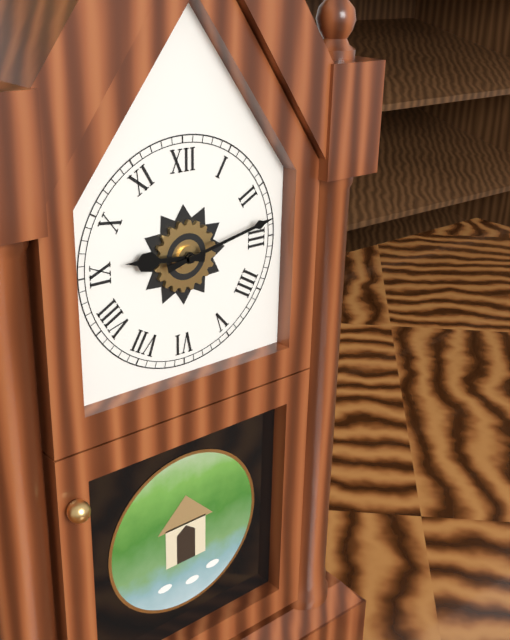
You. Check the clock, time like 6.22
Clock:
9.13
